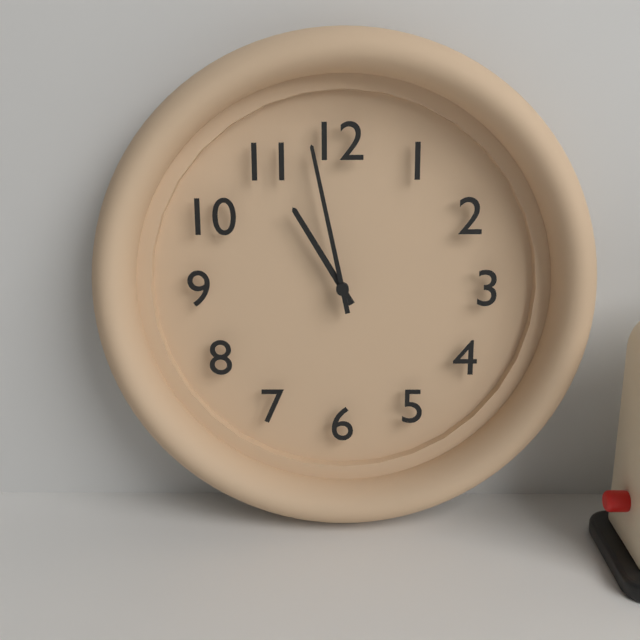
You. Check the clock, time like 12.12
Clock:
10.58
